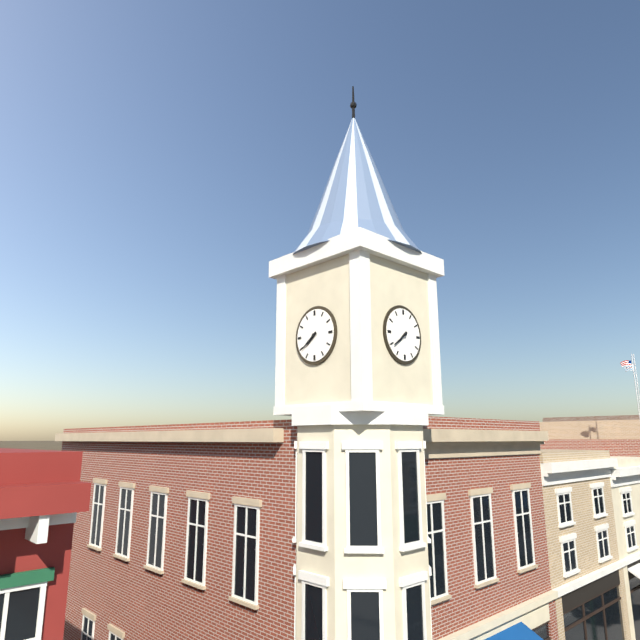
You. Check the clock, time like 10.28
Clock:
7.39
